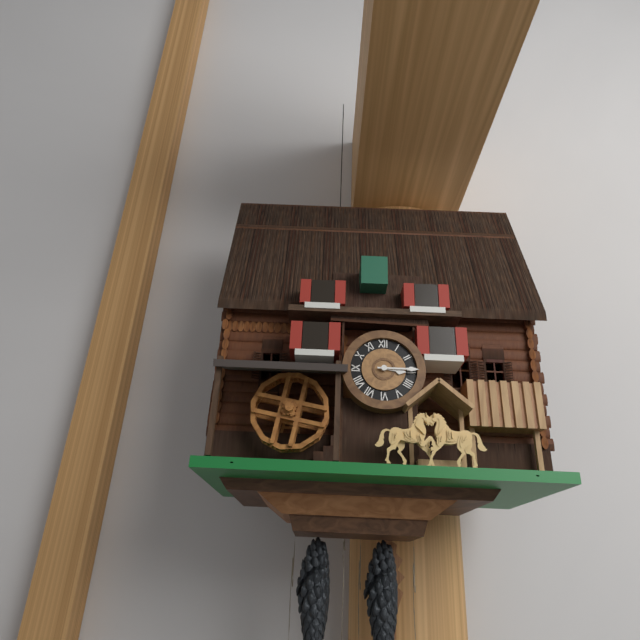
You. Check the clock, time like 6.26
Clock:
3.15
